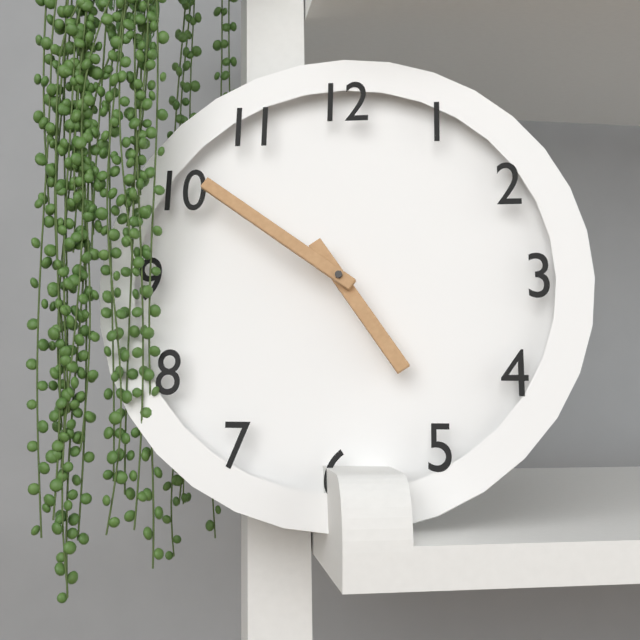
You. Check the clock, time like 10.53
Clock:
4.51
